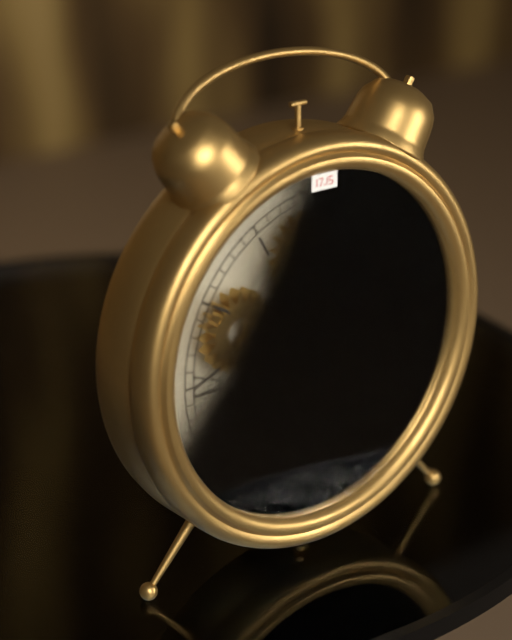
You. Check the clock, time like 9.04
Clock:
11.07
